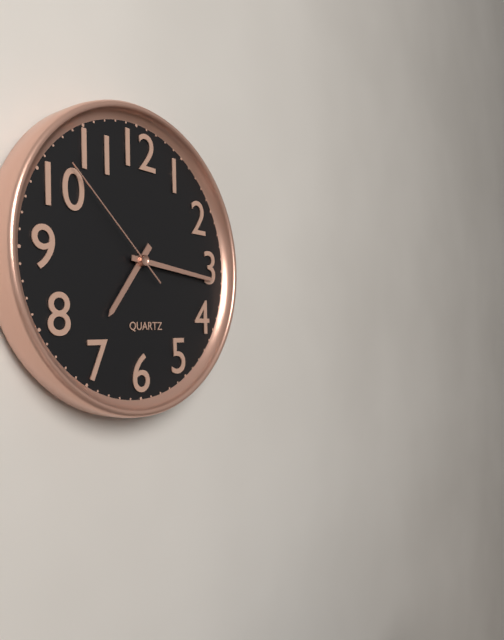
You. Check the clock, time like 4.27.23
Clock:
7.16.52
